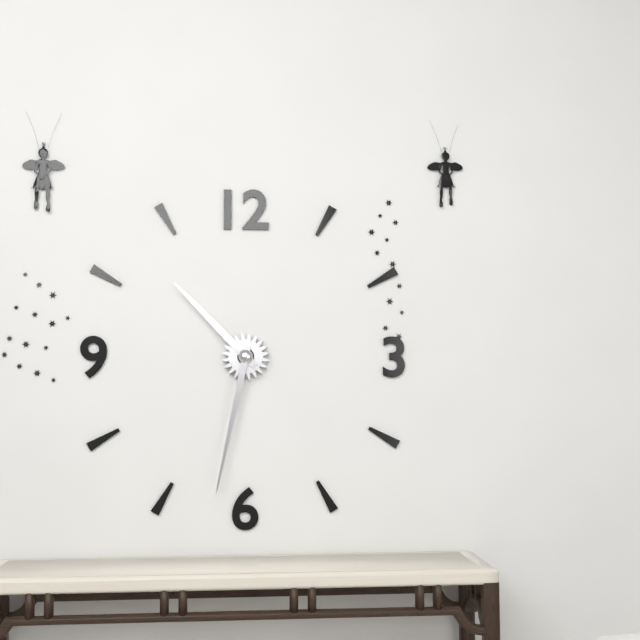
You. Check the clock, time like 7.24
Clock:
10.32
